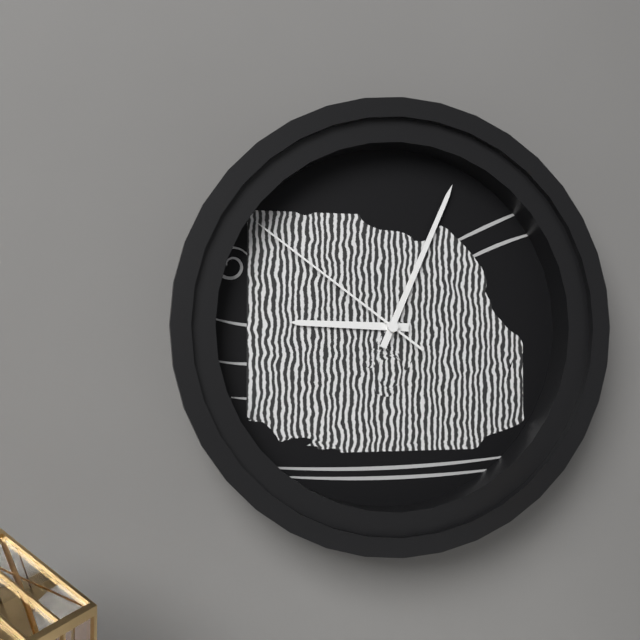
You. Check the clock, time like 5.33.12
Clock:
9.04.51
